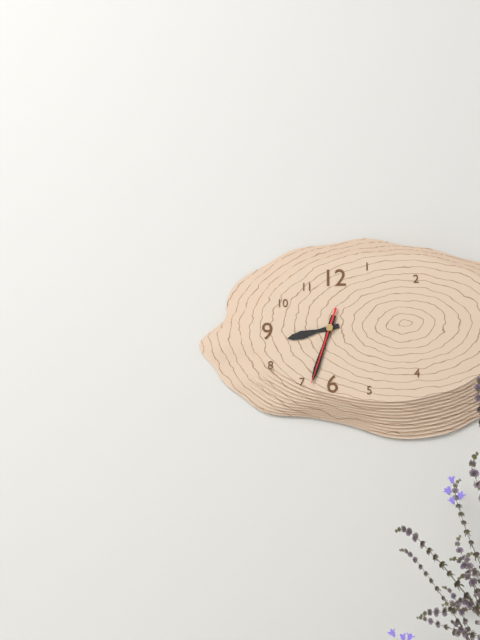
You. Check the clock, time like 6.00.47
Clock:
8.33.33
